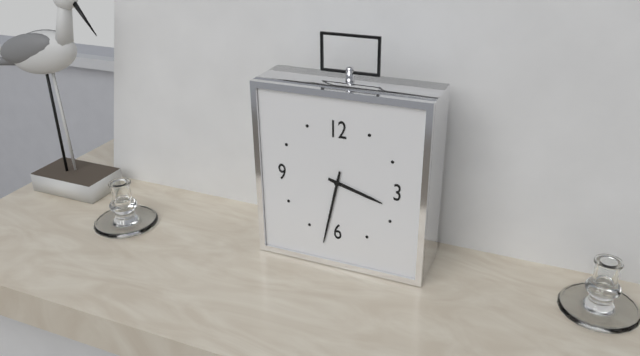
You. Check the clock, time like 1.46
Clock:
3.32
